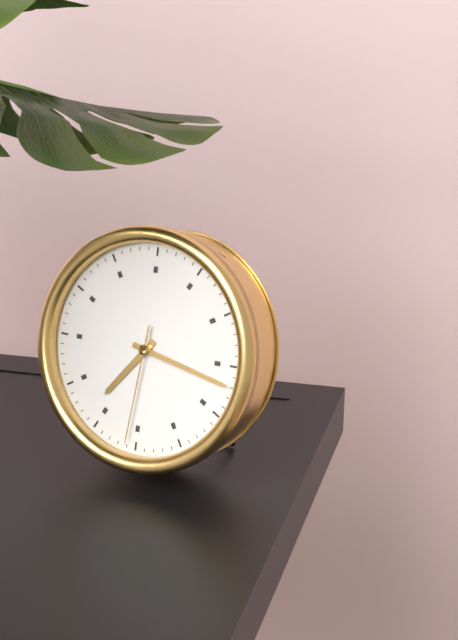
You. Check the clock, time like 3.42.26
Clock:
7.17.31
